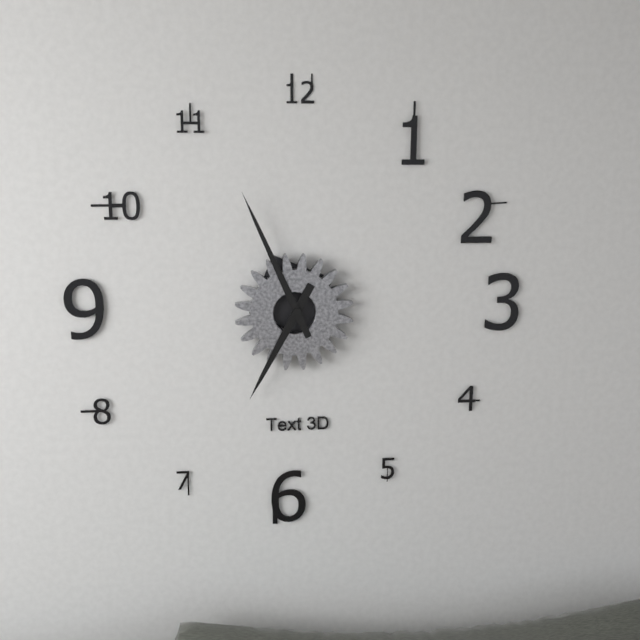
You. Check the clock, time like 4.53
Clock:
6.56
